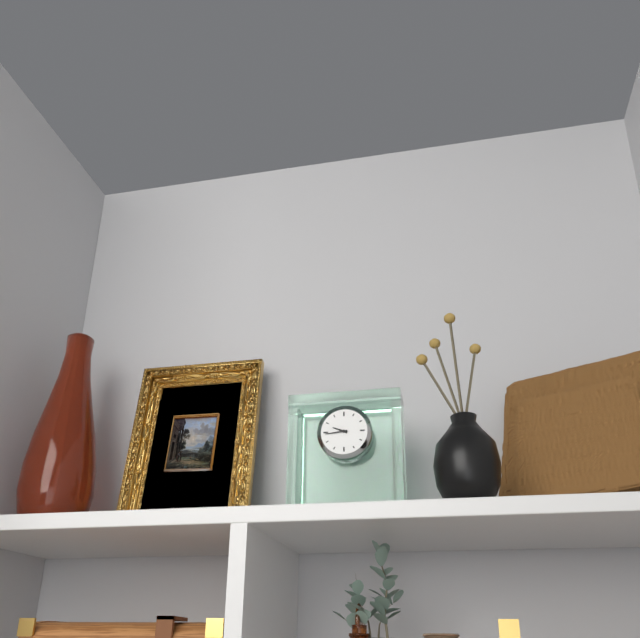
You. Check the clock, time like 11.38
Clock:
9.44
